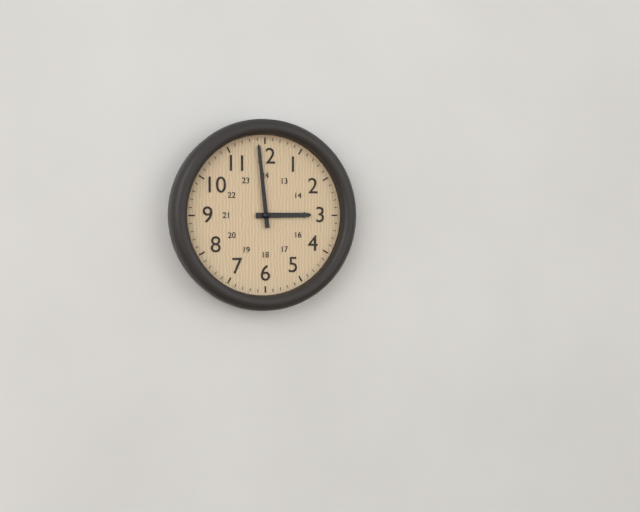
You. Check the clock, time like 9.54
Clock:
2.59
